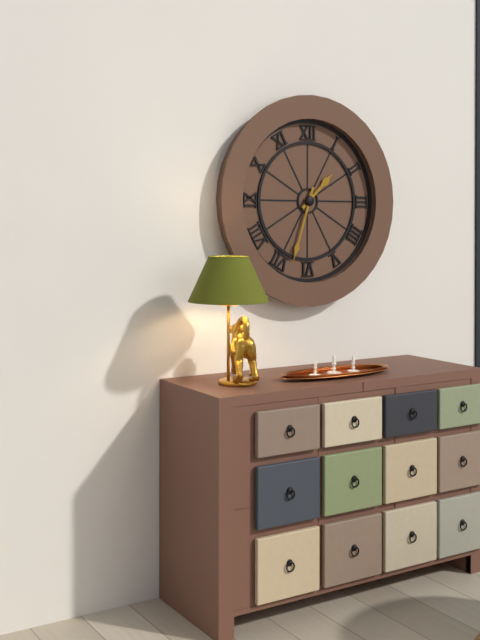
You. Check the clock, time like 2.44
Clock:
1.33
